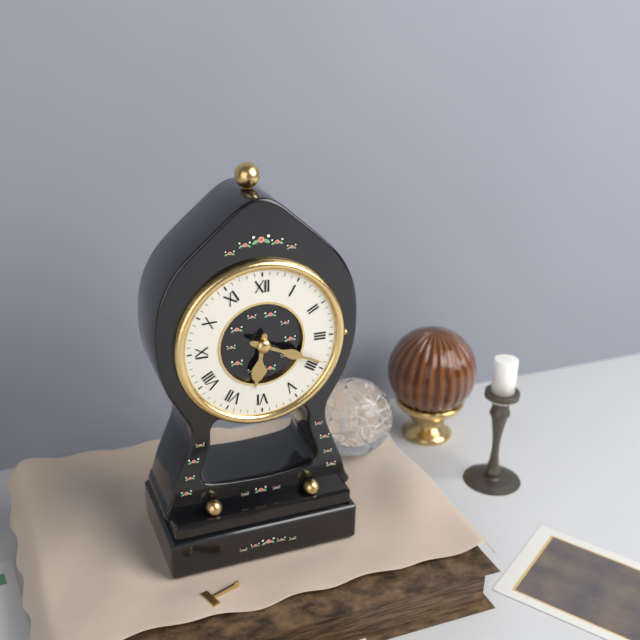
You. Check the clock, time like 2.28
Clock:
6.19
